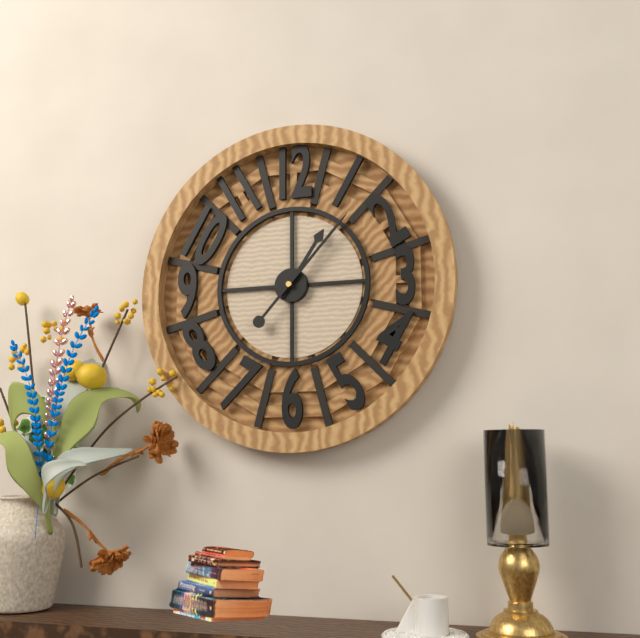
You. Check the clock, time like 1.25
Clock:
1.07
